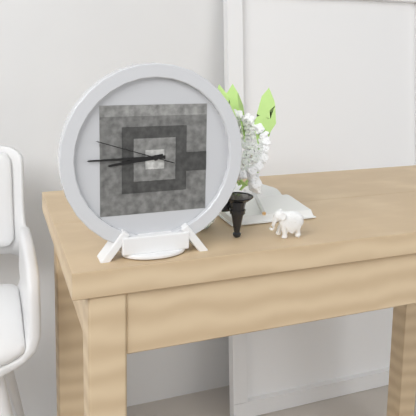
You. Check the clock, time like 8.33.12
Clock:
8.45.48
